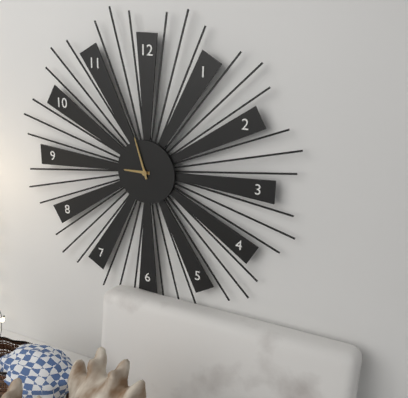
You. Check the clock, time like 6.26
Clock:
8.57
